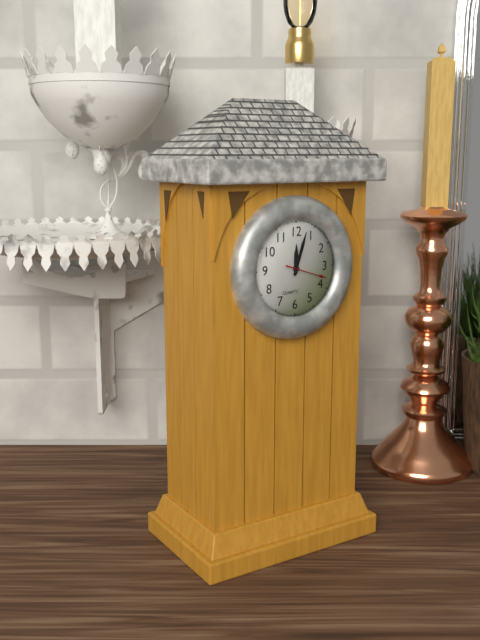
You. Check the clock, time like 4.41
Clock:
12.03
